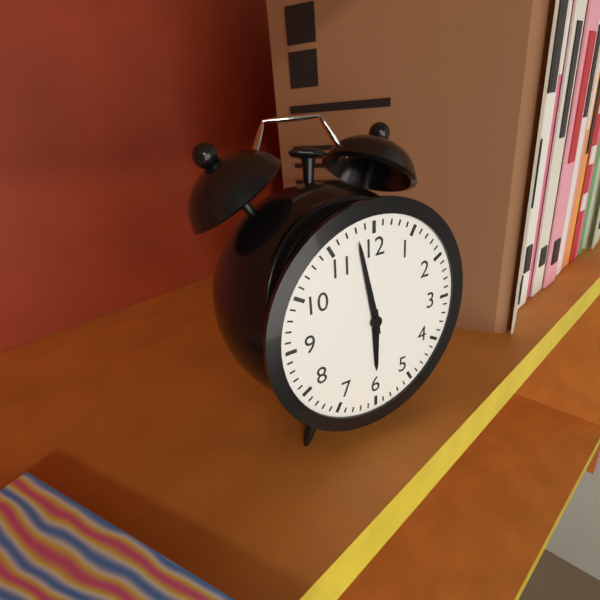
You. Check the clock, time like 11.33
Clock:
5.58
